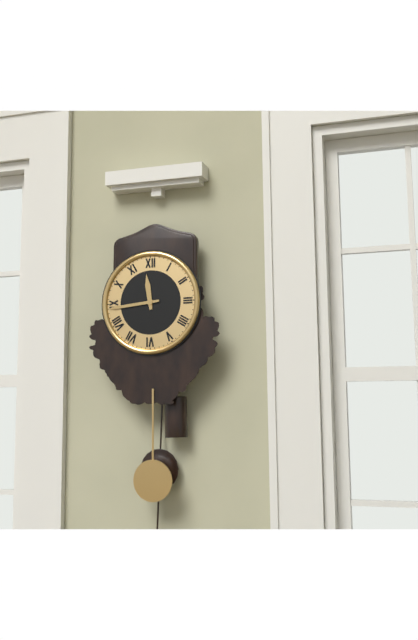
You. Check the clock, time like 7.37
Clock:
11.44
